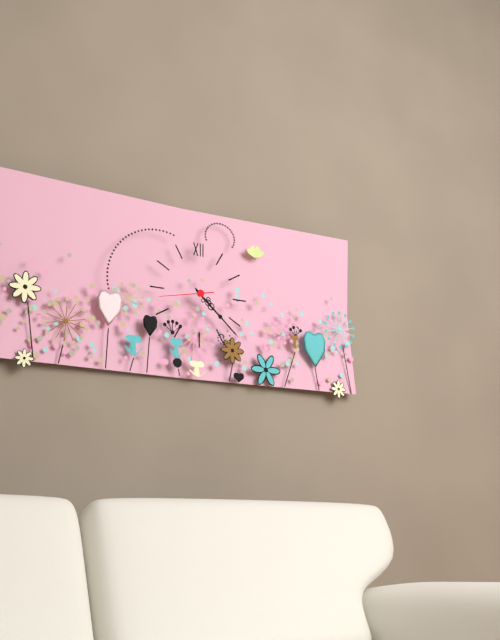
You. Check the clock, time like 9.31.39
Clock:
4.22.43
